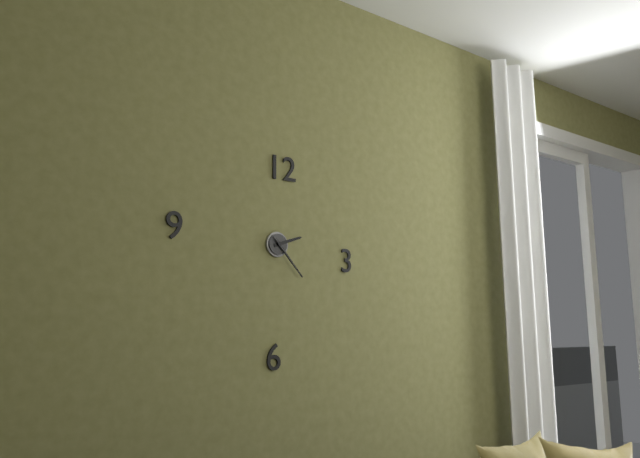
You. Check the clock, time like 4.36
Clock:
2.23
